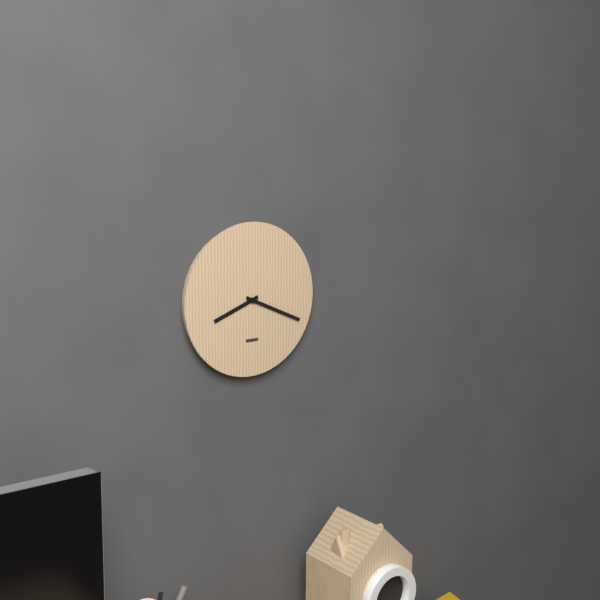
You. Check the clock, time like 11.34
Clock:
8.19
